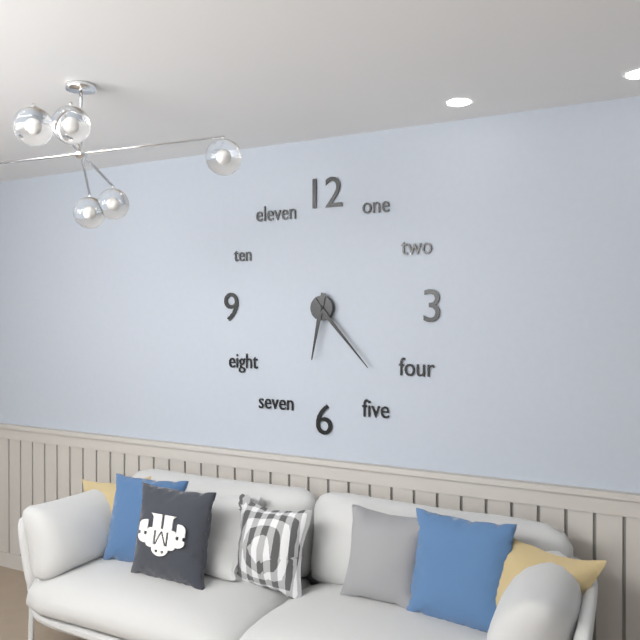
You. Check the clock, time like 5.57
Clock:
6.23
